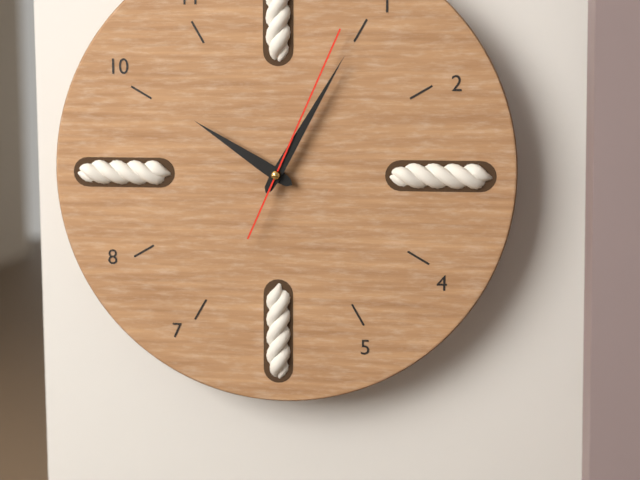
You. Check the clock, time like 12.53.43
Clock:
10.05.04
